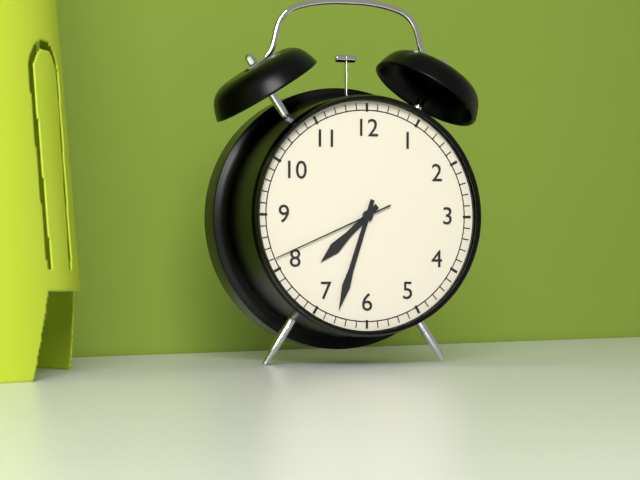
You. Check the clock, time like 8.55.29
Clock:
7.33.41
